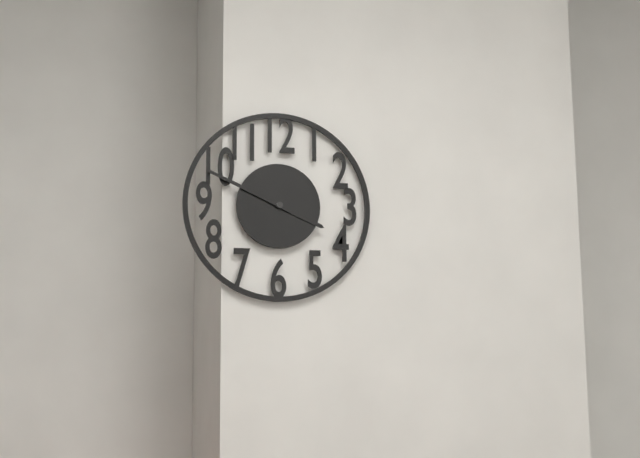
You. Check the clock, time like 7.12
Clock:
3.49
